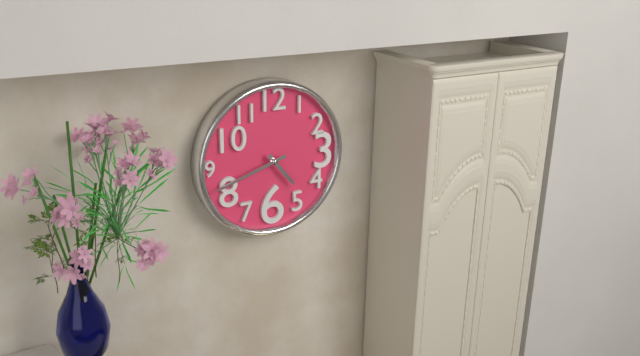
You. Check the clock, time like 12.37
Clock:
4.42
